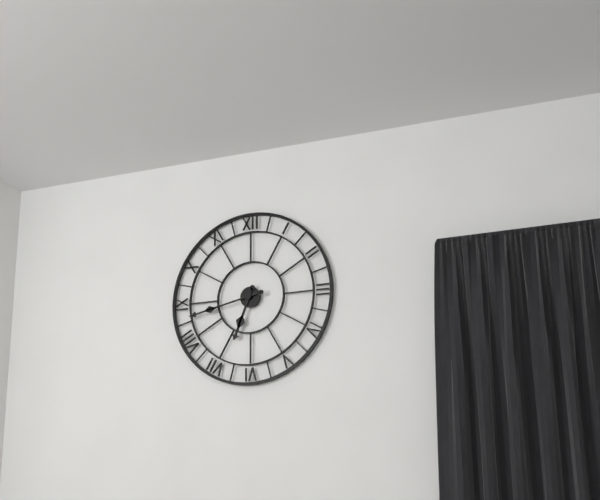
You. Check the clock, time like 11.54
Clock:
6.43
